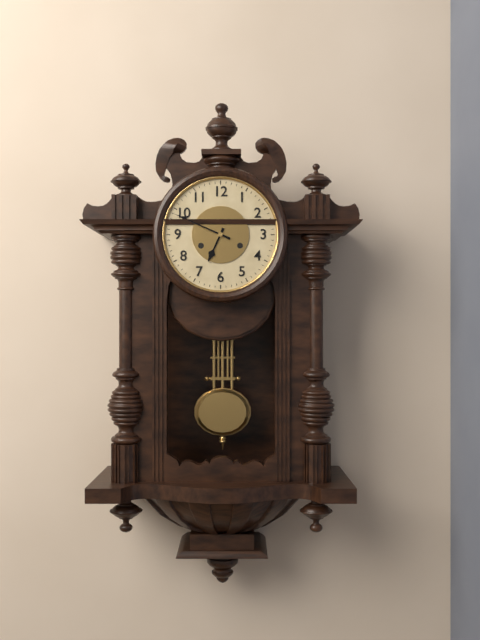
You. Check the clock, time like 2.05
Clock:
6.49
